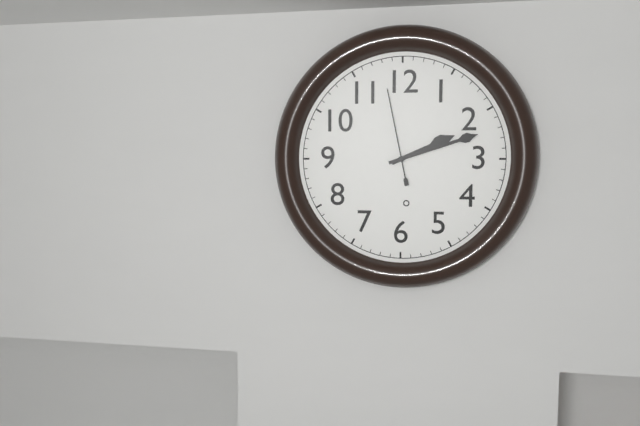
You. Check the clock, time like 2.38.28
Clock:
2.12.58
